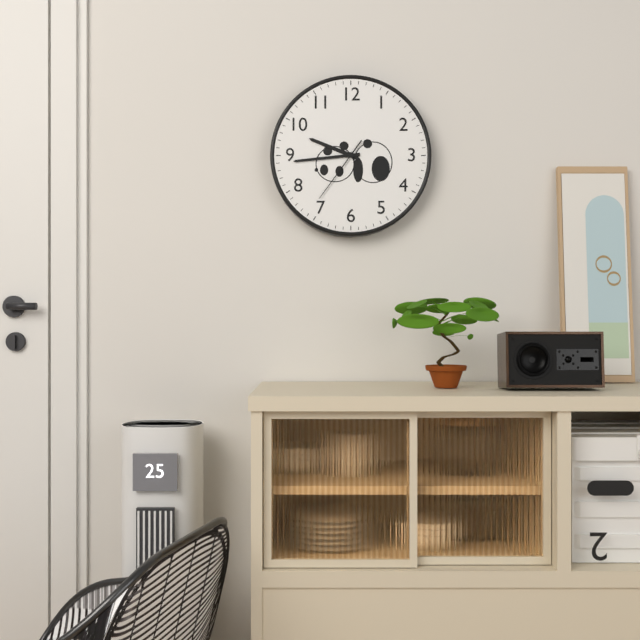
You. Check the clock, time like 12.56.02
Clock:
9.44.36
